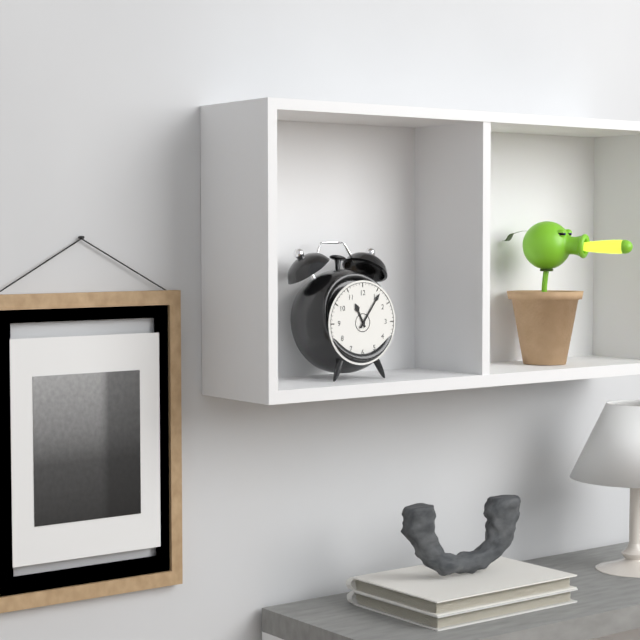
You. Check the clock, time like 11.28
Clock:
11.06
